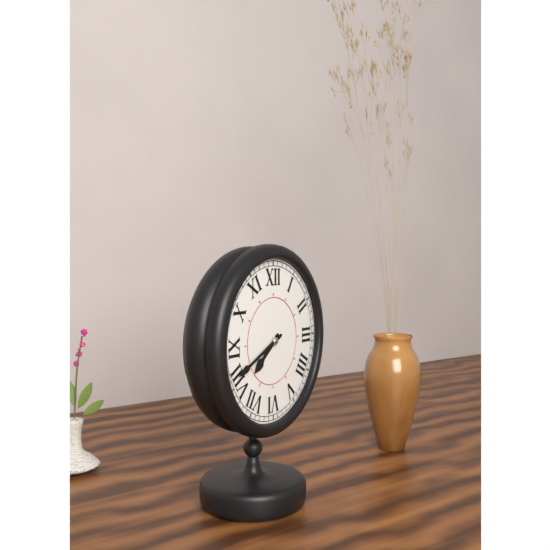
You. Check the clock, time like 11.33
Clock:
7.41
